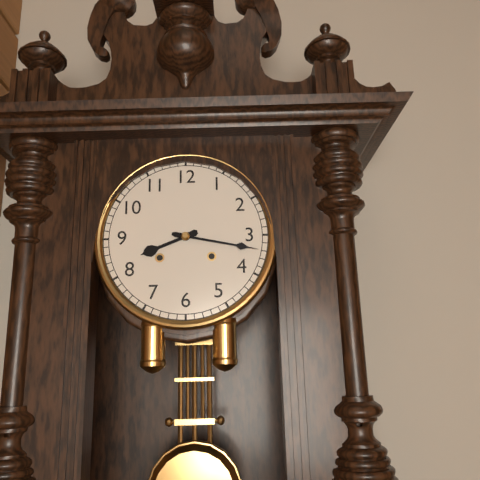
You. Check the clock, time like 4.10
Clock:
8.17
